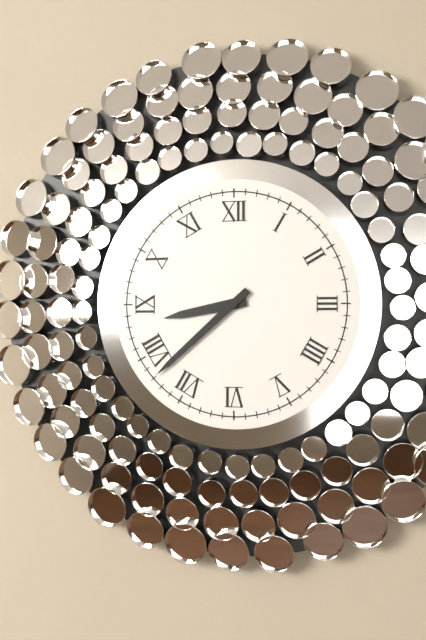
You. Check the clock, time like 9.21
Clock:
8.38
